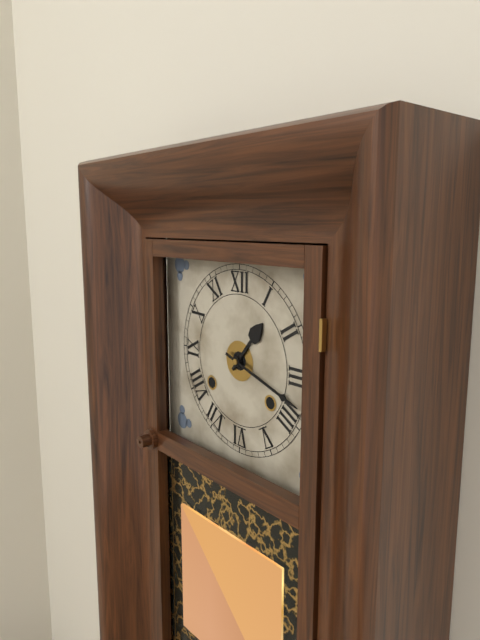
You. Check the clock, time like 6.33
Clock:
1.18
